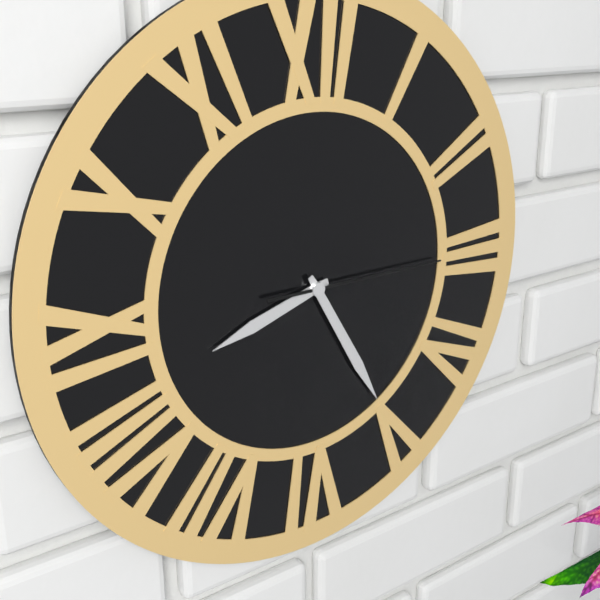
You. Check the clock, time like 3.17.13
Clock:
8.25.15
